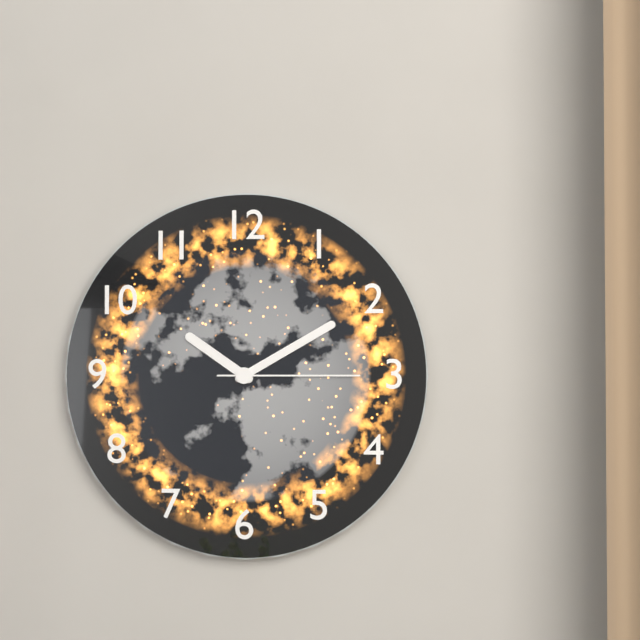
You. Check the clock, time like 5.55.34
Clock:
10.10.15
